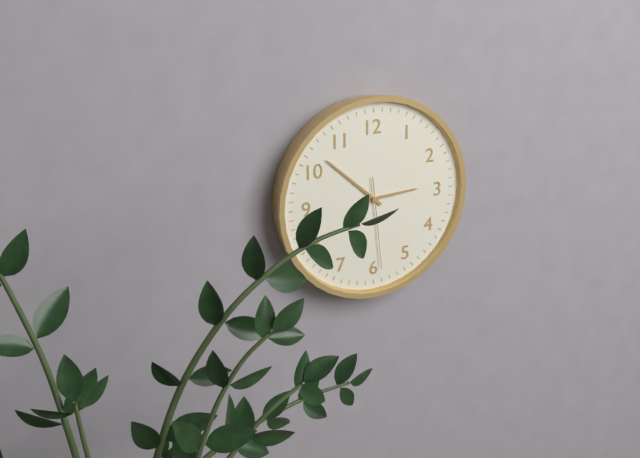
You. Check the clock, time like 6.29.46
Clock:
2.52.29
